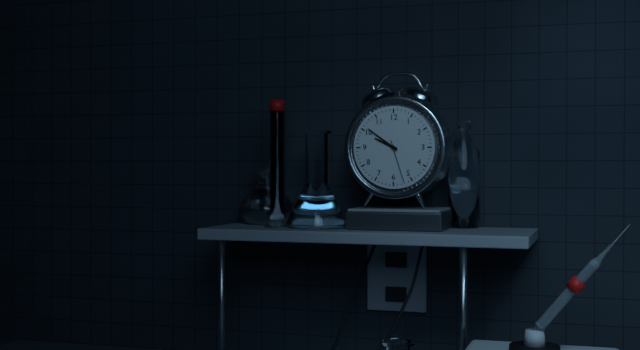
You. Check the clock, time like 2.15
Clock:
9.51
